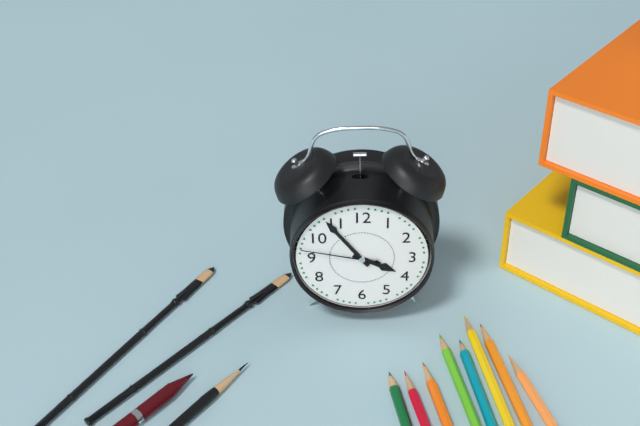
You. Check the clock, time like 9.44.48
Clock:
3.54.47
